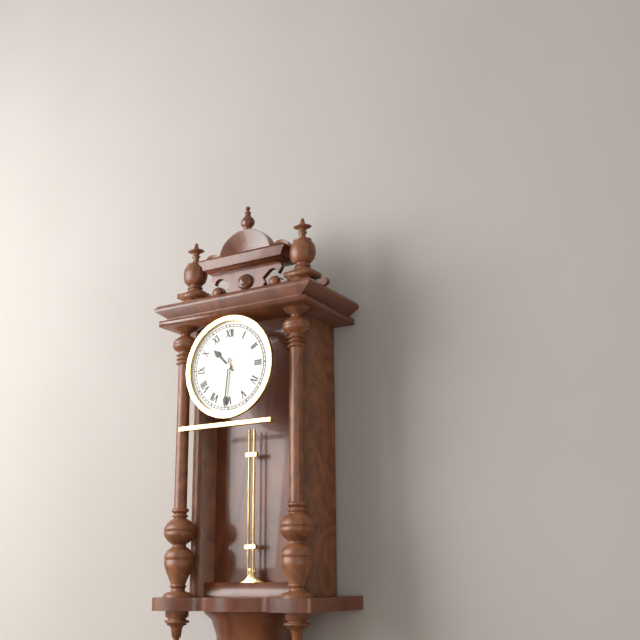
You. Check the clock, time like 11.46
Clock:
10.31
